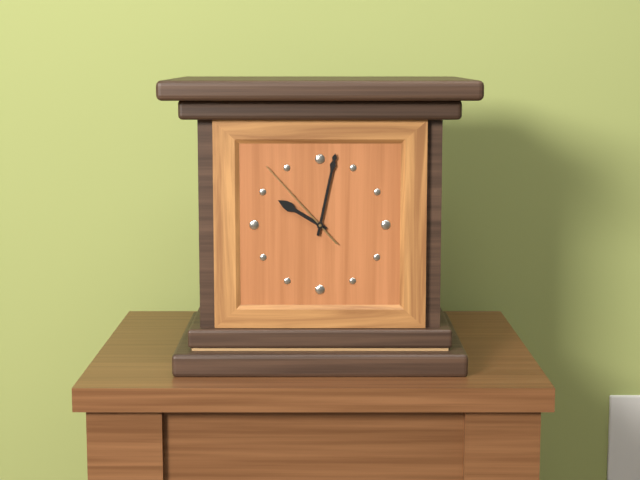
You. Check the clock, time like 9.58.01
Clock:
10.02.53
